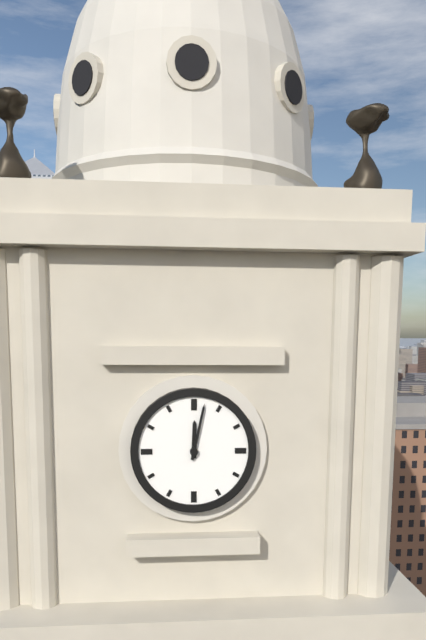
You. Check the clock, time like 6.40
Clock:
12.02
